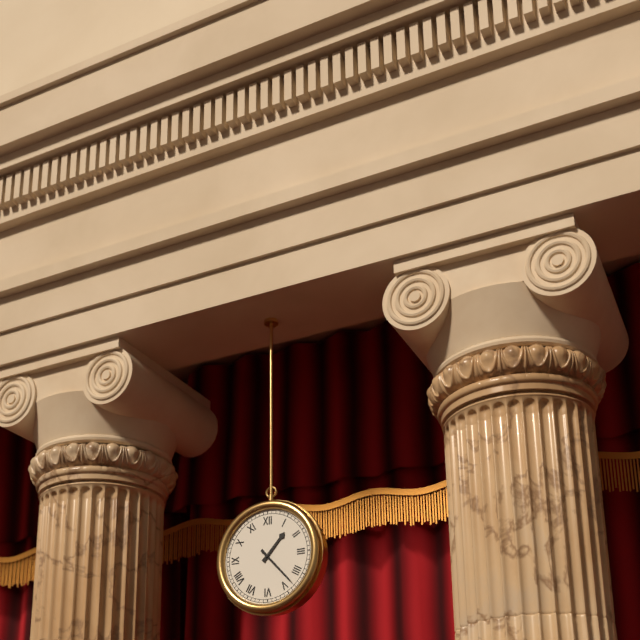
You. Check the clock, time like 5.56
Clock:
1.23
